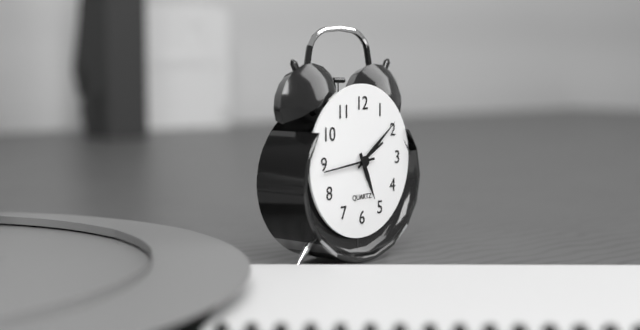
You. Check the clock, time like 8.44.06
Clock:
5.09.44
